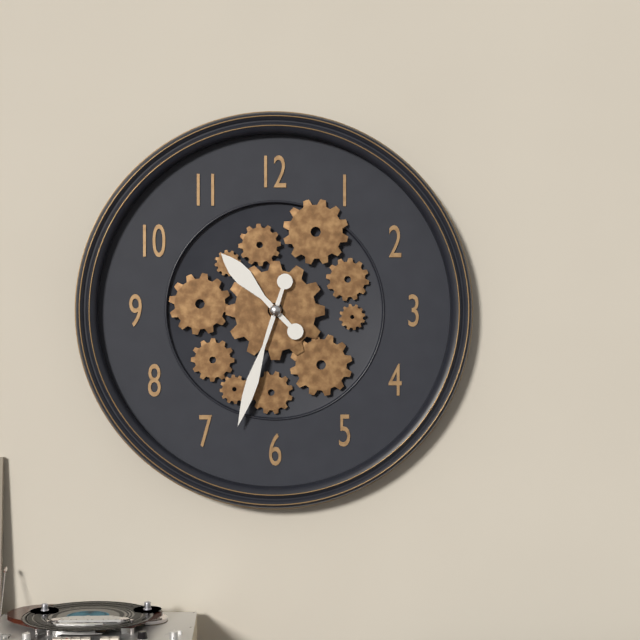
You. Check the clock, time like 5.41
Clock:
10.33
